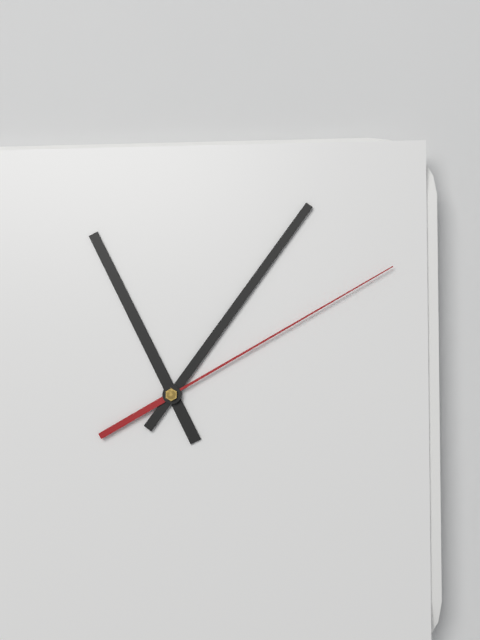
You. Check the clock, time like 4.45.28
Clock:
11.06.10
